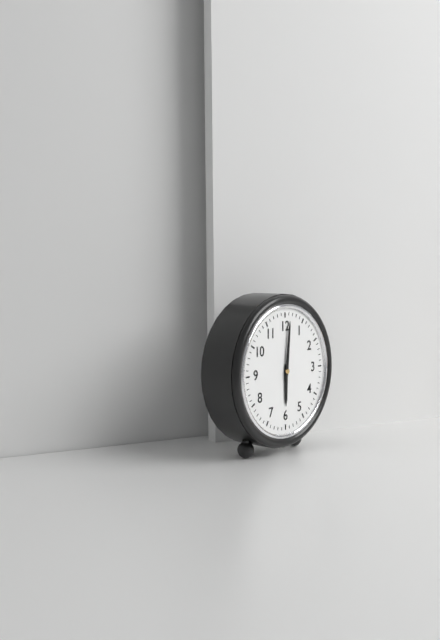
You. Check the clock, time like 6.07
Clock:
6.01
